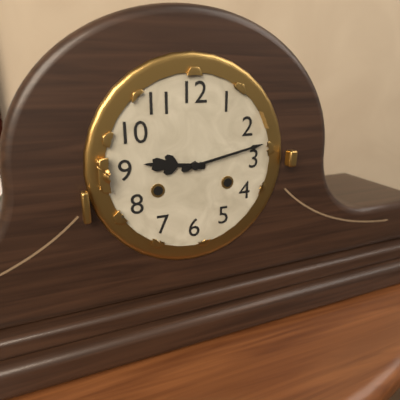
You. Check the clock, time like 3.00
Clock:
9.13
